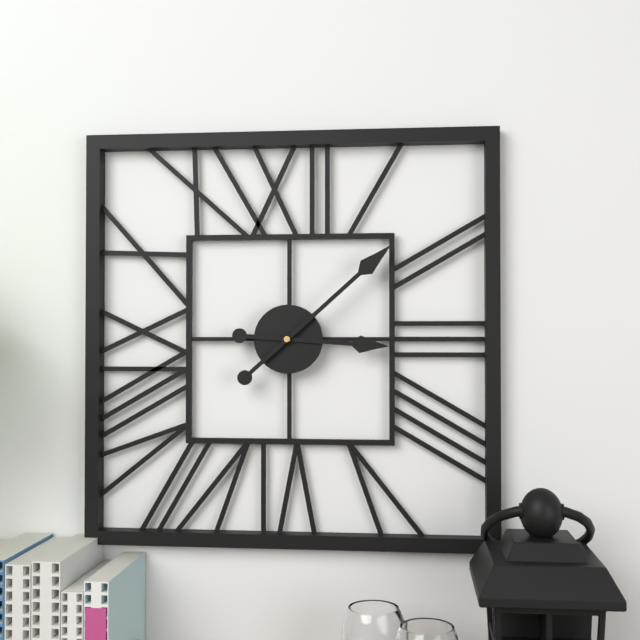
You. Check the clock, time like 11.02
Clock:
3.08
